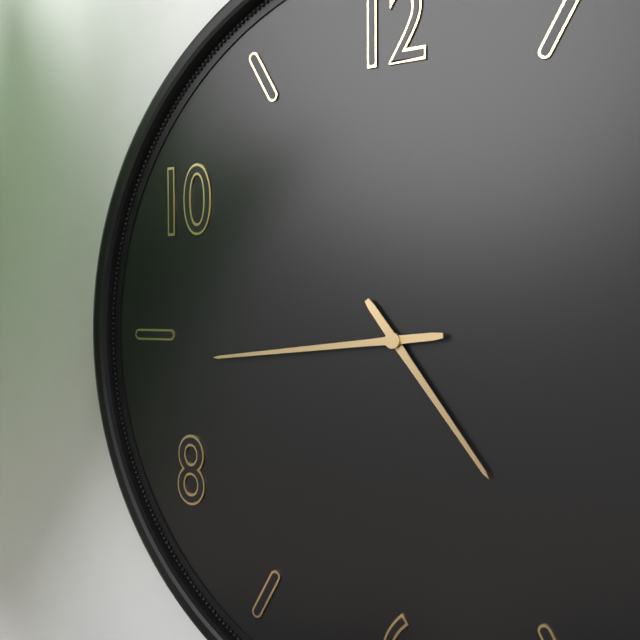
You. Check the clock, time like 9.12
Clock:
4.44
